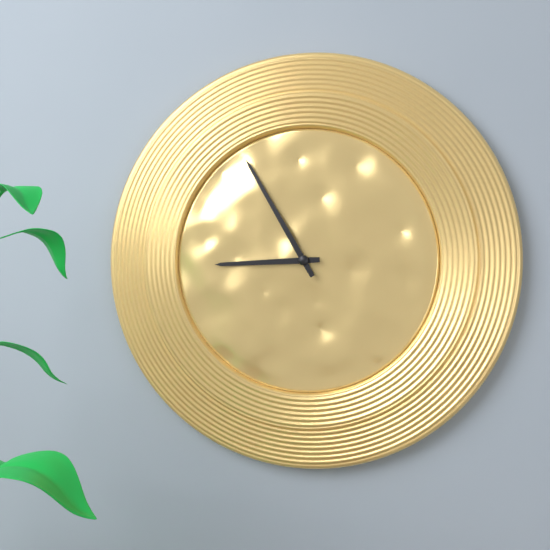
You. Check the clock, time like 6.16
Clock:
8.55
